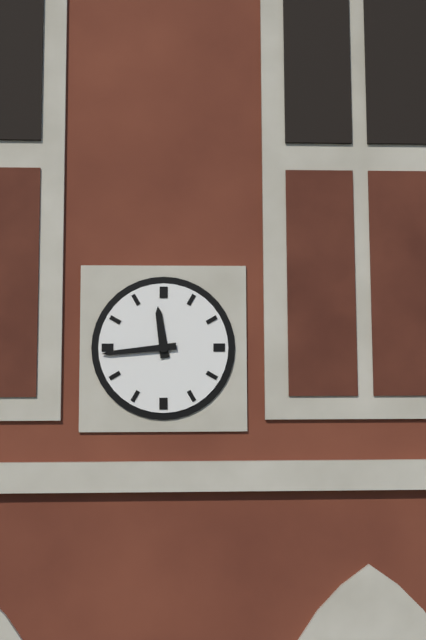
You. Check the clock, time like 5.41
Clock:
11.44
